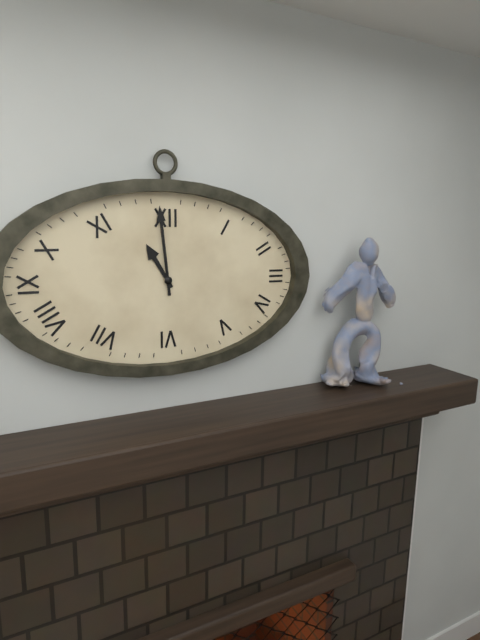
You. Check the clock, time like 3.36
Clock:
10.59
